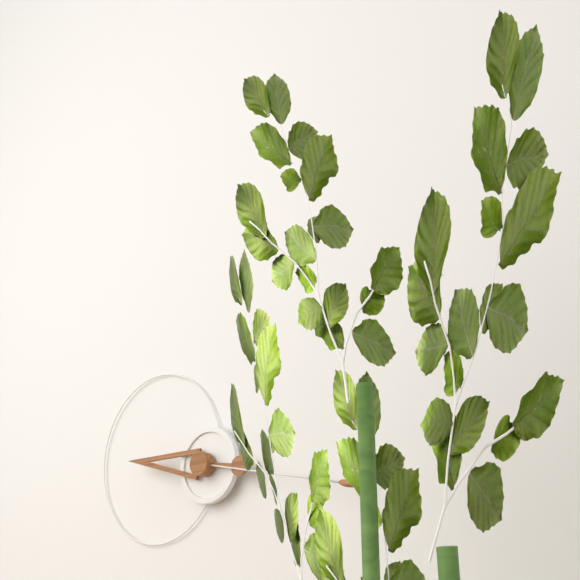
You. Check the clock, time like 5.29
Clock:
9.17
